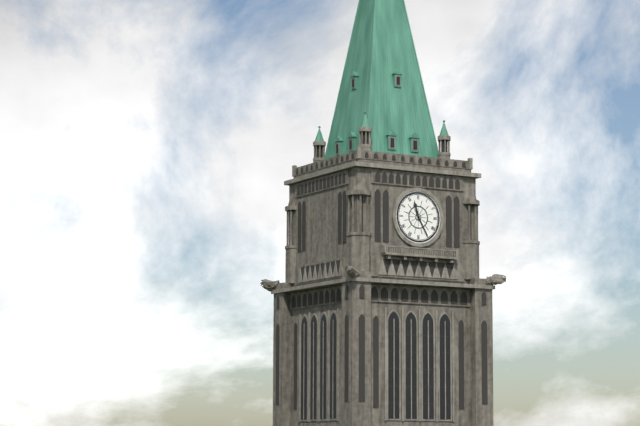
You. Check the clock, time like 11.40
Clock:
11.25
